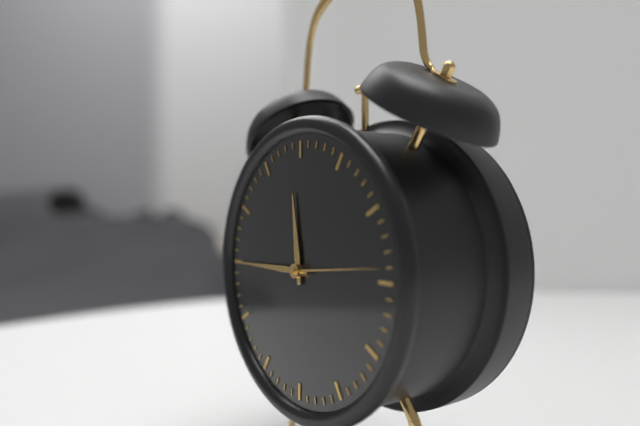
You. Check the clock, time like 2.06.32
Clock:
11.45.14
